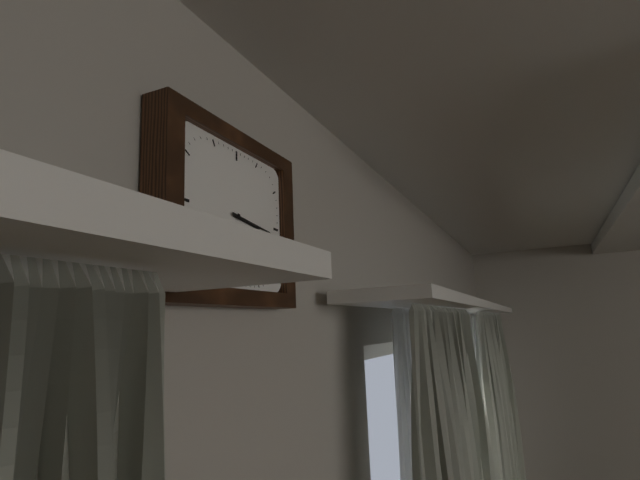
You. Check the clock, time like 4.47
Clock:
3.16
